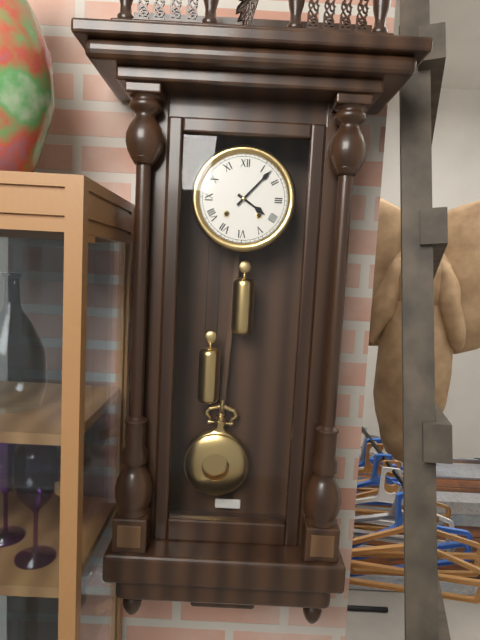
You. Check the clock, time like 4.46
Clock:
4.07
